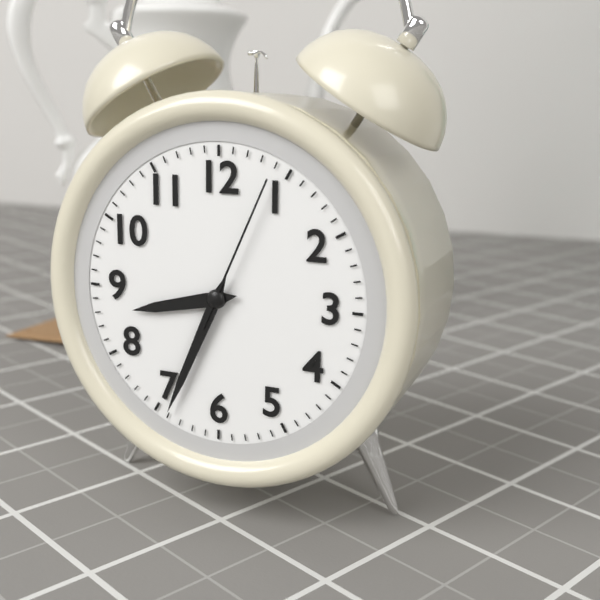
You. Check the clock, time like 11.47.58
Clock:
8.34.04
